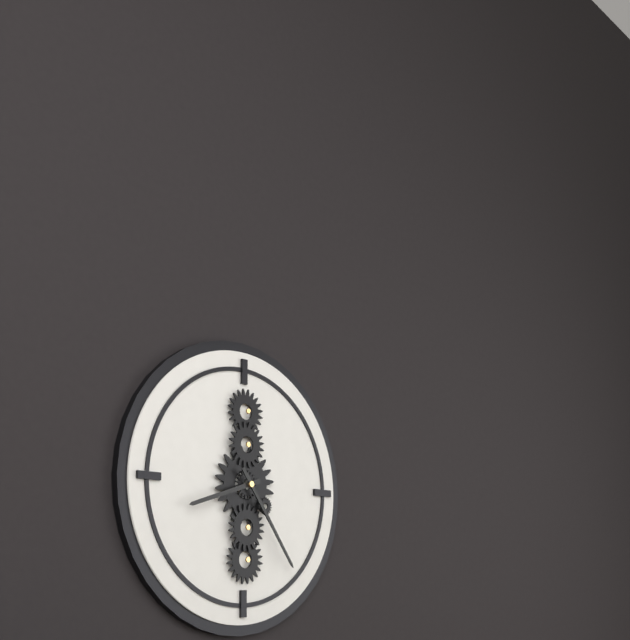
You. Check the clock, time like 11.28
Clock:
8.24
